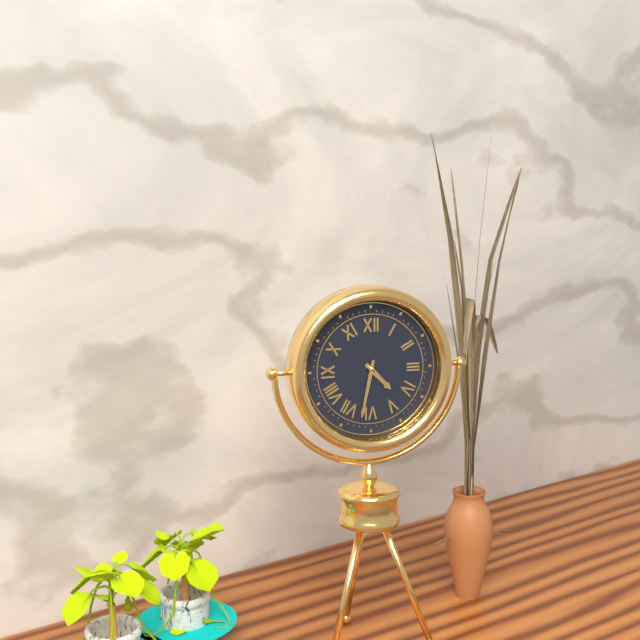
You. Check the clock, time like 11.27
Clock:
4.32
